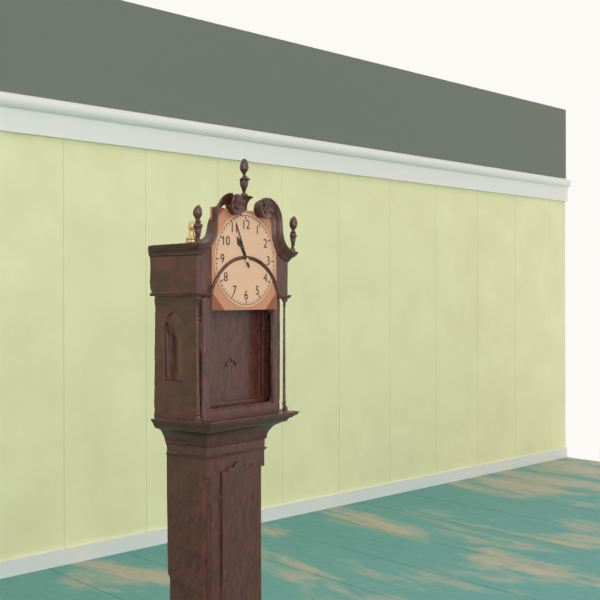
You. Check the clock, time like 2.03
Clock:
10.56
